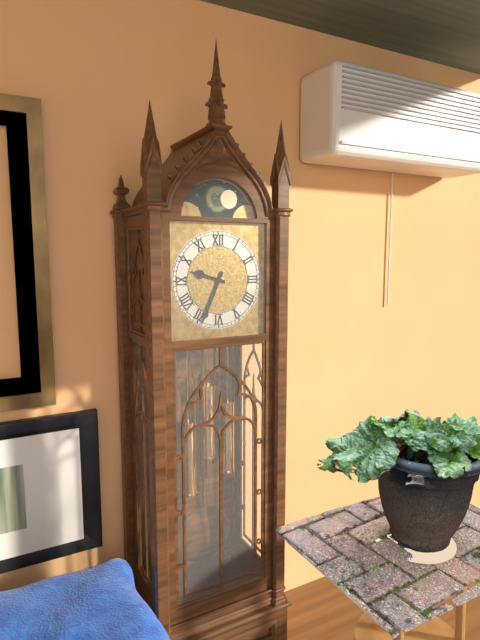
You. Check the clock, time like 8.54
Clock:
9.34
